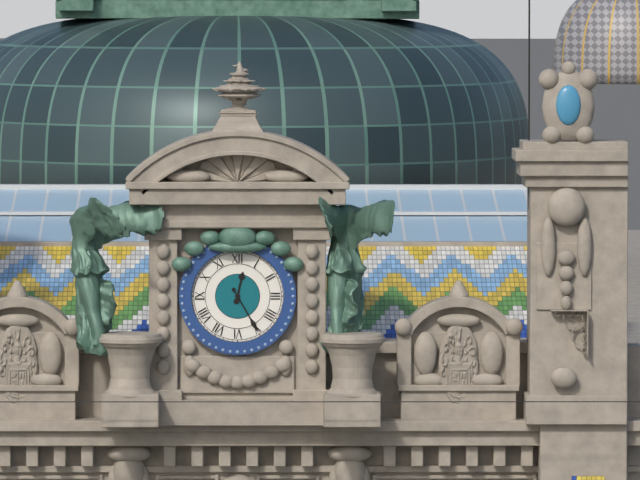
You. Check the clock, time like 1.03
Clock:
12.25
